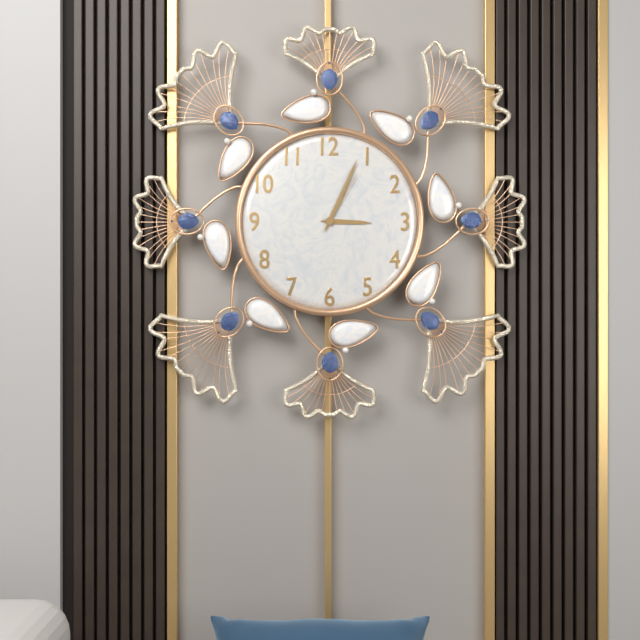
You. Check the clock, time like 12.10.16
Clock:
3.04.05
